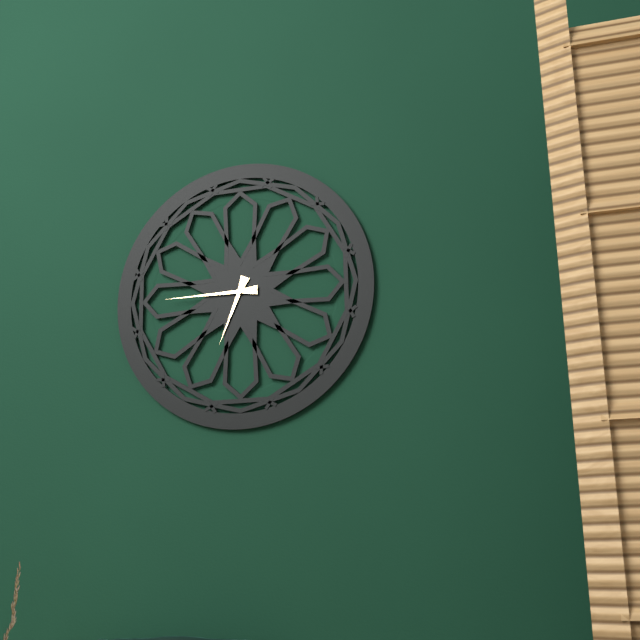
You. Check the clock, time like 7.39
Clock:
6.45
